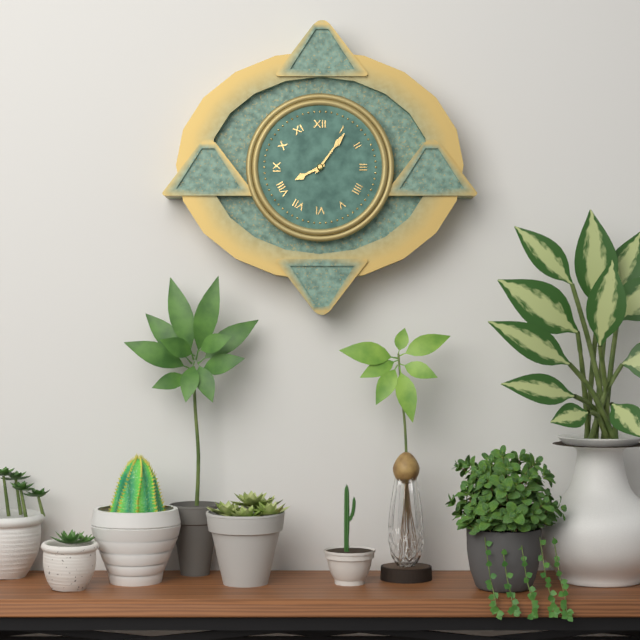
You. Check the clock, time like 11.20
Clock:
8.06
